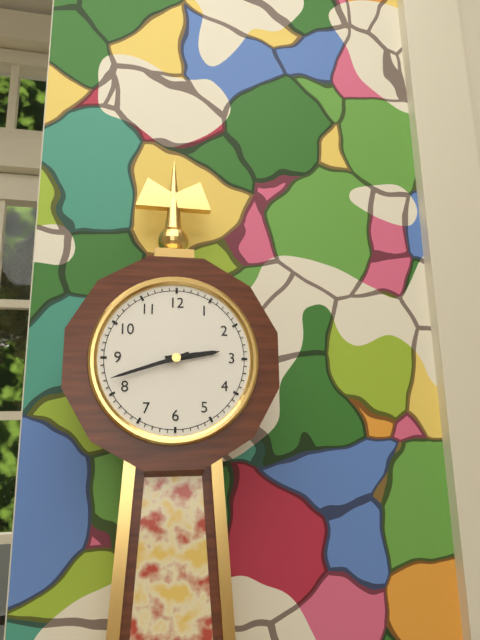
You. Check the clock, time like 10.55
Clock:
2.42
